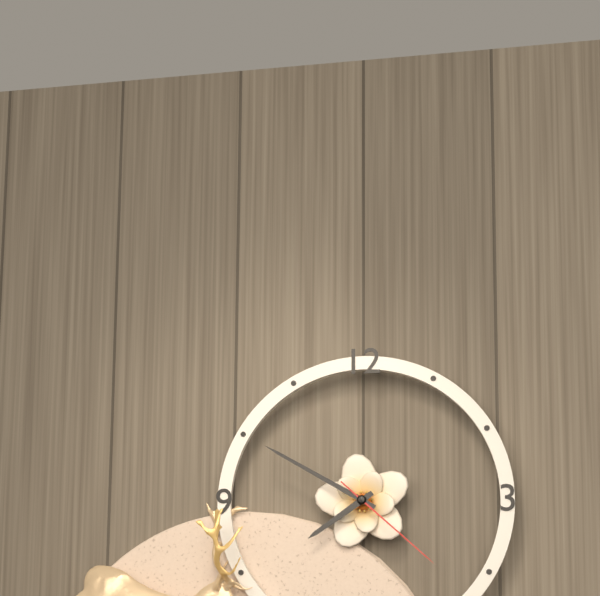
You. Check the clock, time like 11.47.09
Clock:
7.50.22
